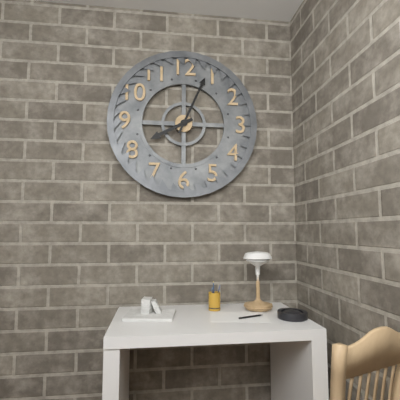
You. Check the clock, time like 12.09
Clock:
8.04
